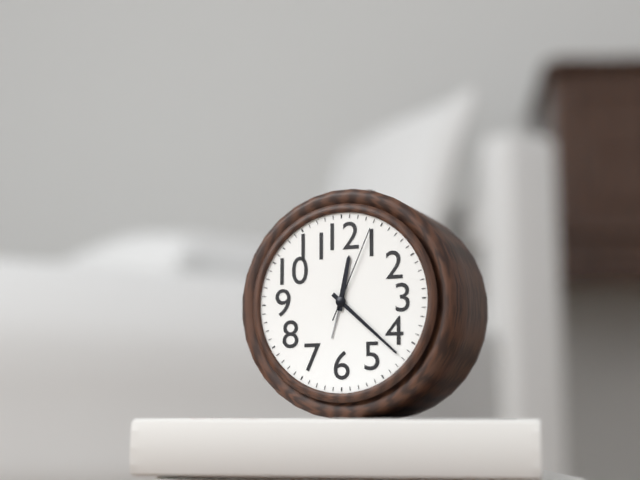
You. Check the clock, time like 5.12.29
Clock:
12.22.04
